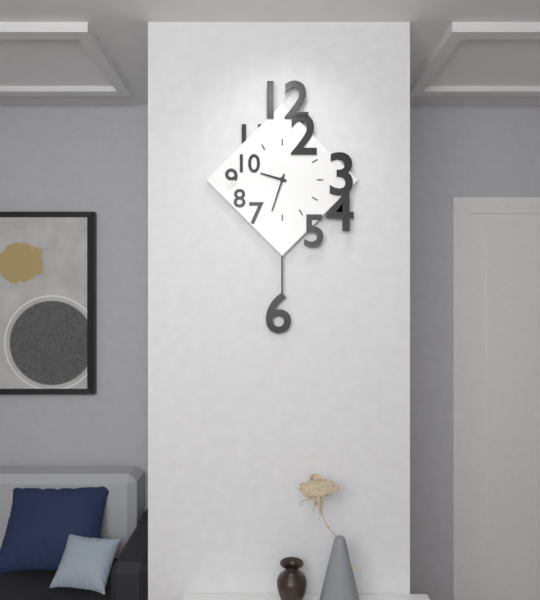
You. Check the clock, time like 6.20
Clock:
9.33
